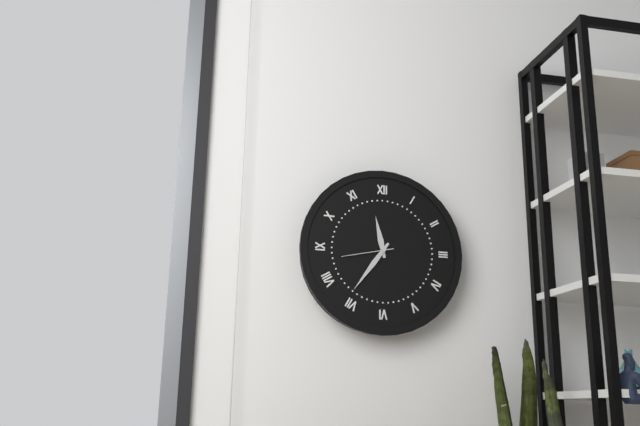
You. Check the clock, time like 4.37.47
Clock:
11.36.43
